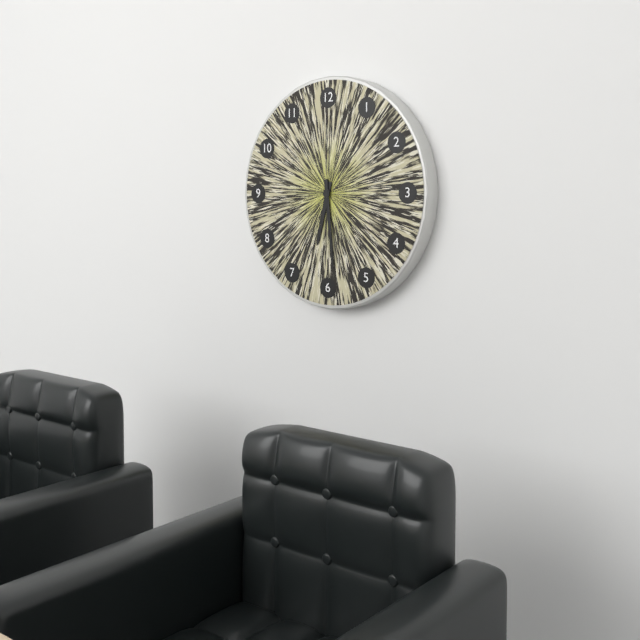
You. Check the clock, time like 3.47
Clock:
6.29
